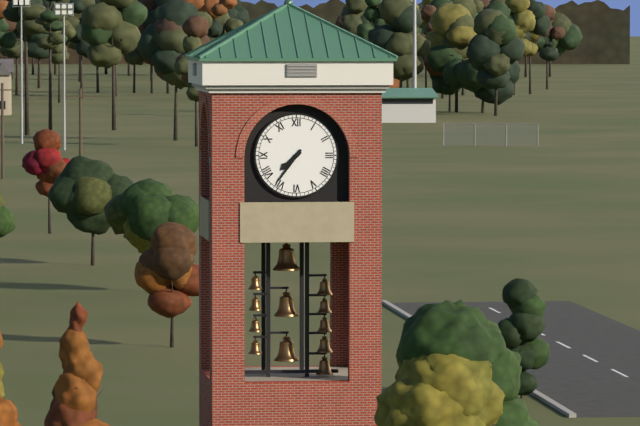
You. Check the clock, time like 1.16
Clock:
7.36
